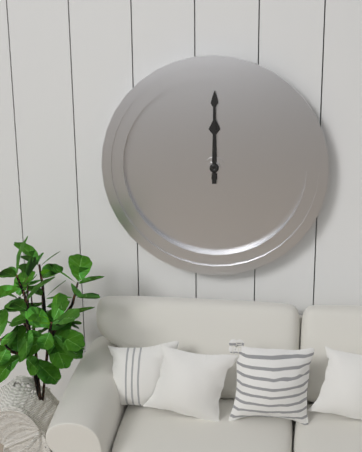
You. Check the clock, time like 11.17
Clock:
12.00
